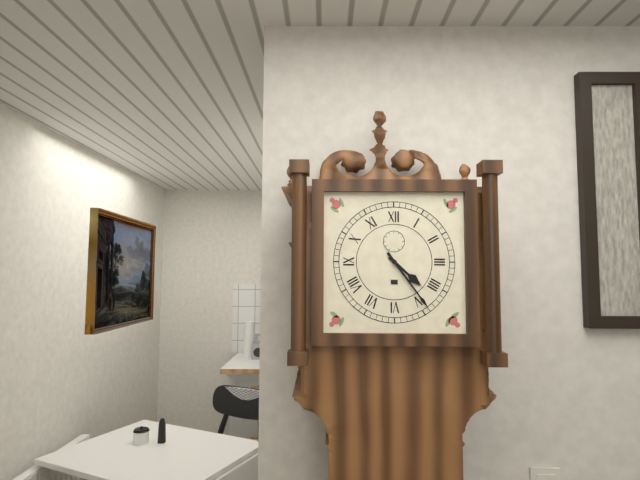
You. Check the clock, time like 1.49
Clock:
4.24
